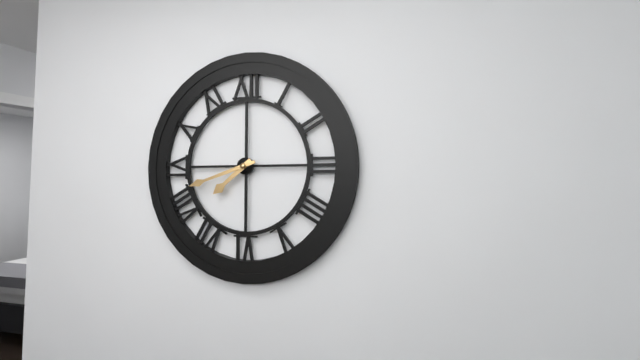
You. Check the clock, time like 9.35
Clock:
7.42
